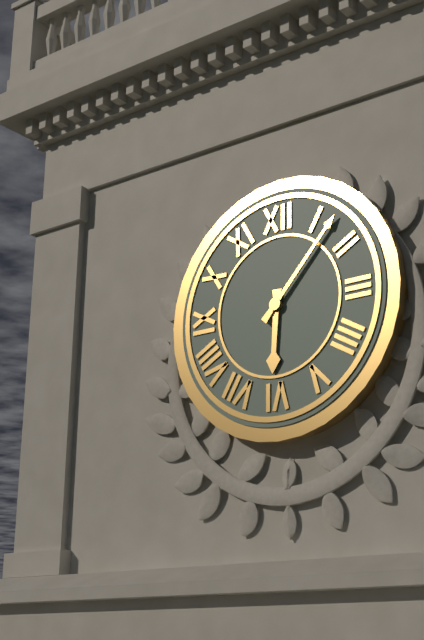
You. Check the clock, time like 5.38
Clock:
6.07
